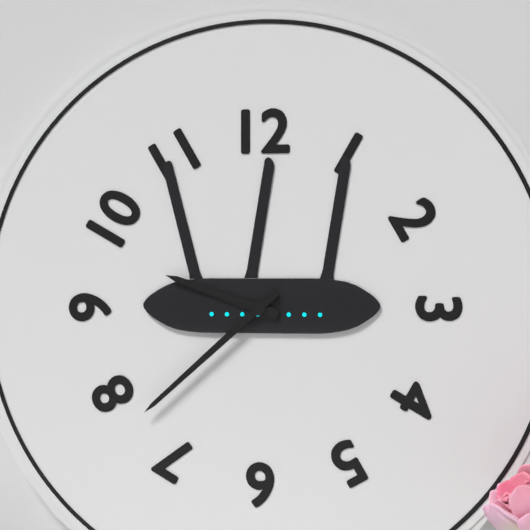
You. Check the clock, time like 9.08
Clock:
9.38
